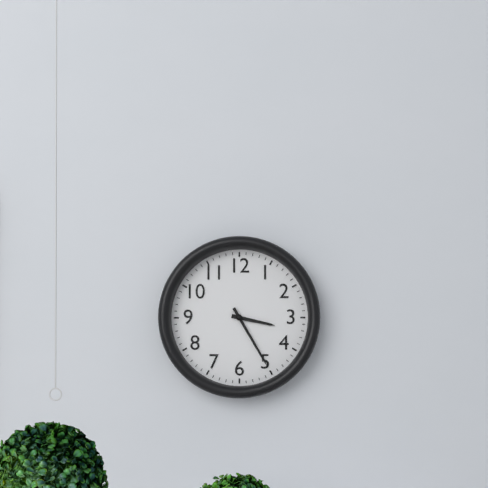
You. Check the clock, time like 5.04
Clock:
3.25
